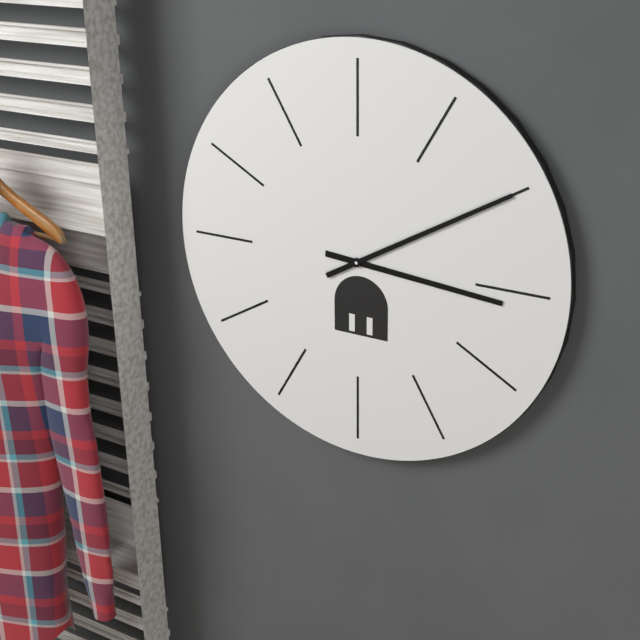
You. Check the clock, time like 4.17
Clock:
3.10
